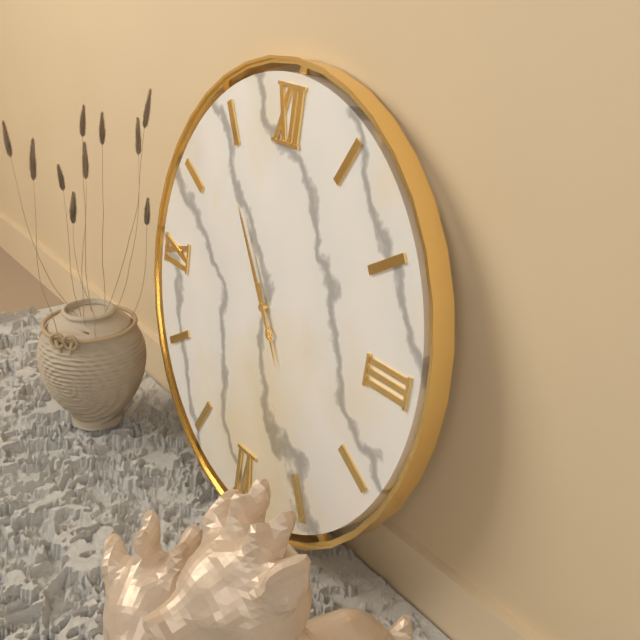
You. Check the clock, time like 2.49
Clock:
4.54
